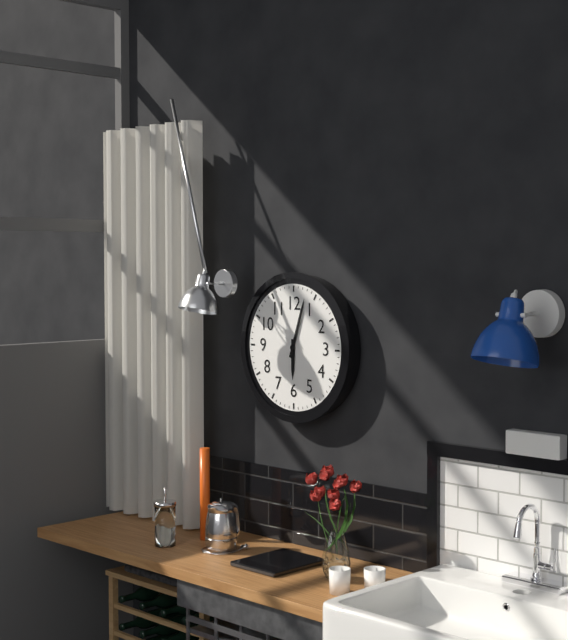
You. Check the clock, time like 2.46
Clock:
6.03
